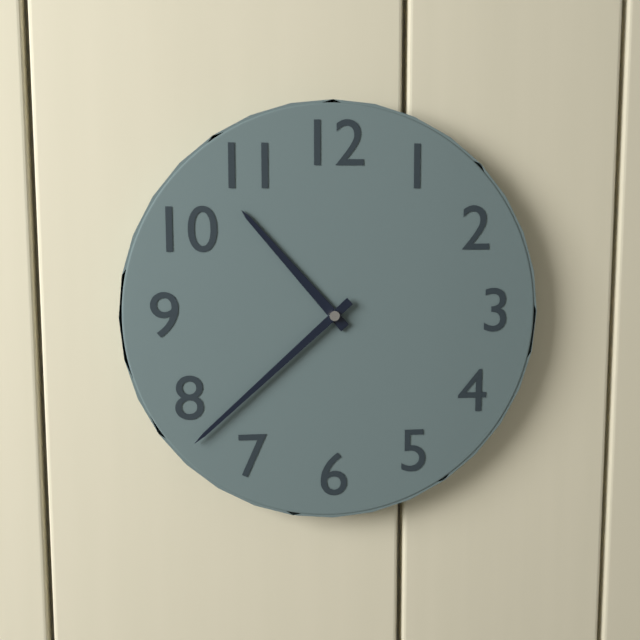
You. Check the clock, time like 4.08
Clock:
10.38
